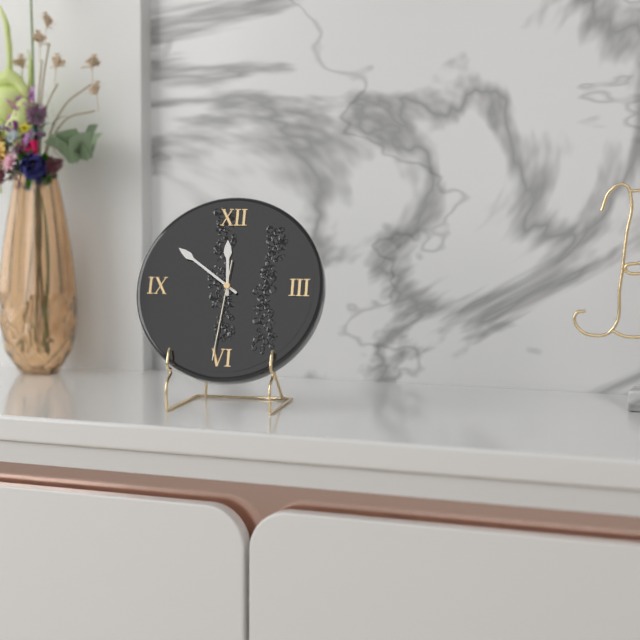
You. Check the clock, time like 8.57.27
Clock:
11.51.31
